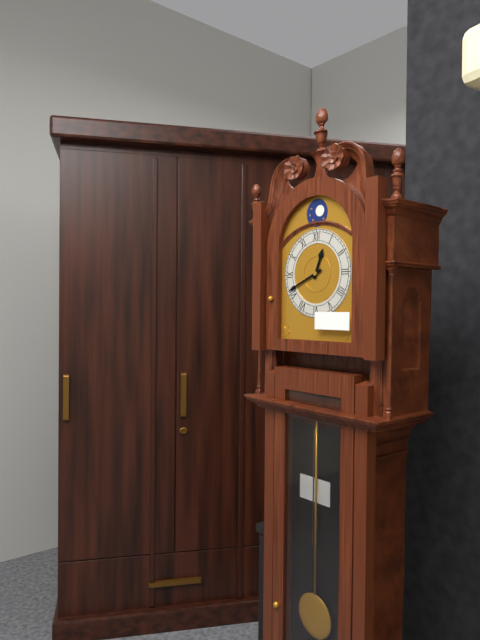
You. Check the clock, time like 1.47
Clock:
12.41
